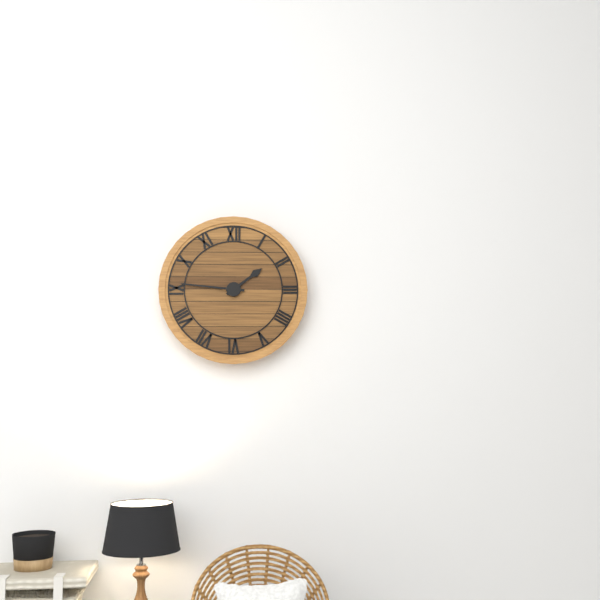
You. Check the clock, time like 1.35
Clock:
1.46
